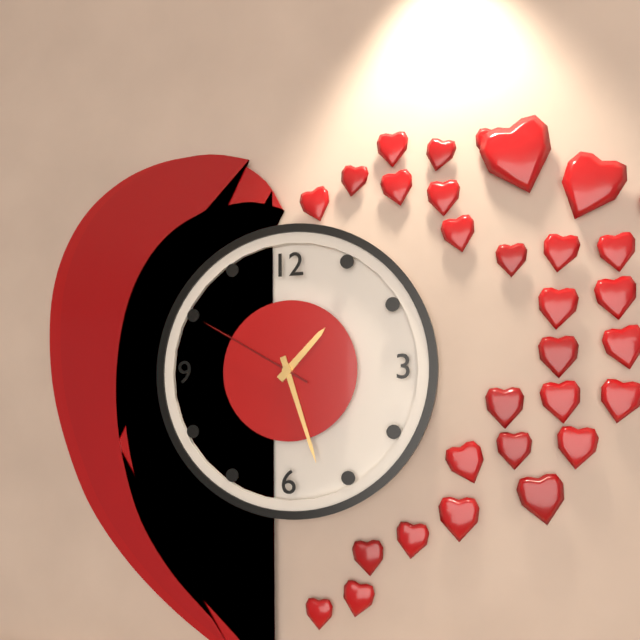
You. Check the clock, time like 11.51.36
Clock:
1.27.50
